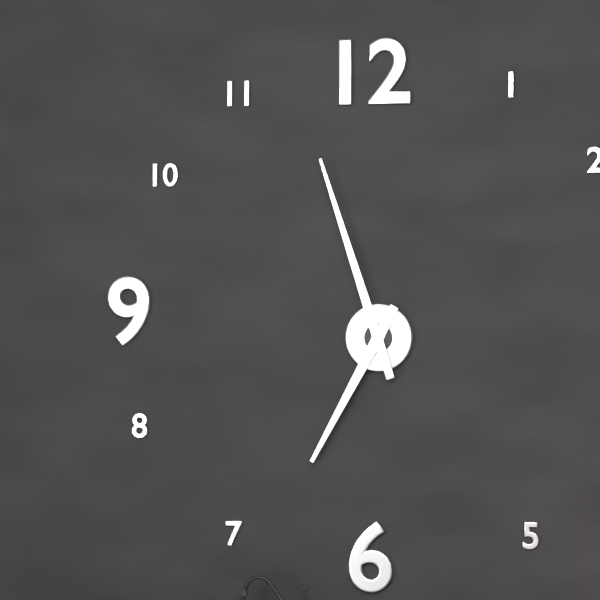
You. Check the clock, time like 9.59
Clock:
6.57
